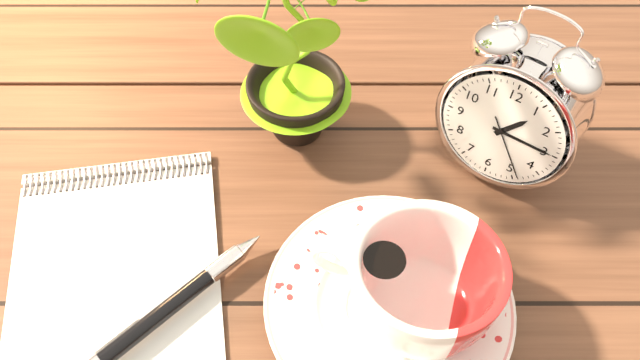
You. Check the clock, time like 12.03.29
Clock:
1.15.24
